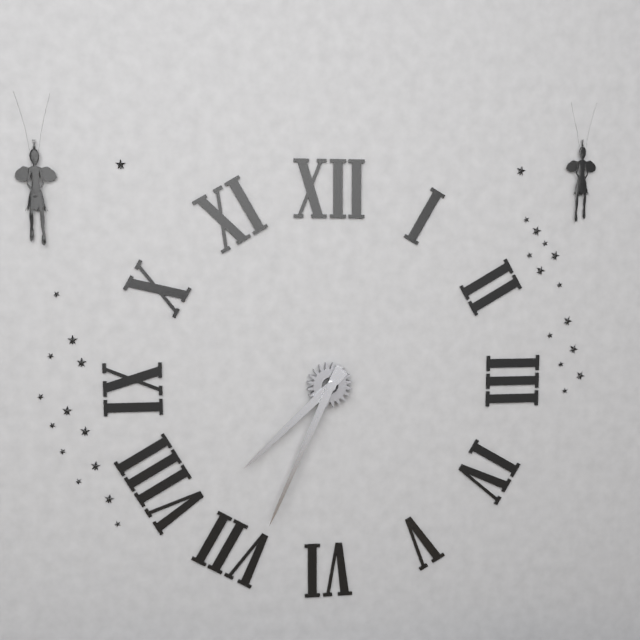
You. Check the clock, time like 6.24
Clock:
7.34
